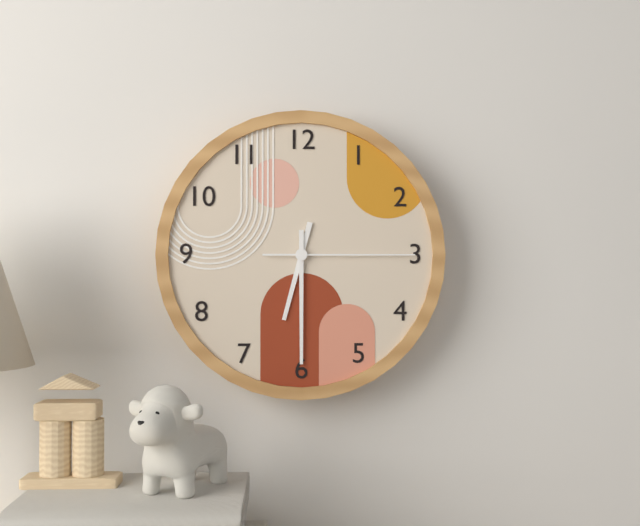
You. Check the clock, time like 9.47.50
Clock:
6.30.15
